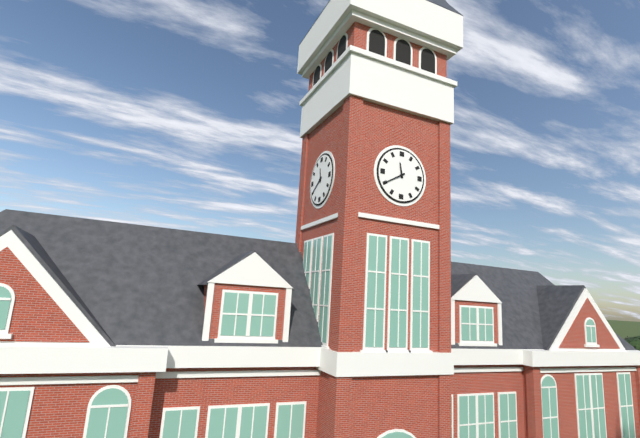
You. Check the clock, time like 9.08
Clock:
11.40
